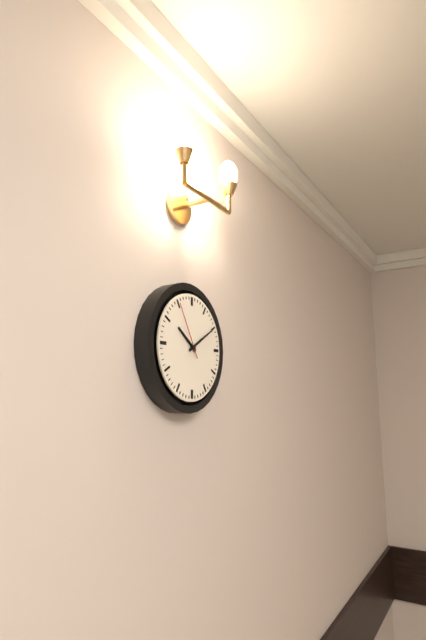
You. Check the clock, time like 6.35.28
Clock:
10.10.55
